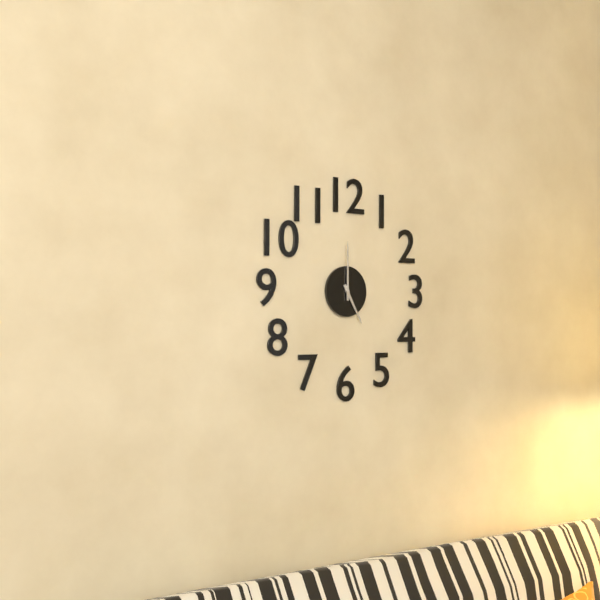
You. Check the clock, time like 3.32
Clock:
5.00
